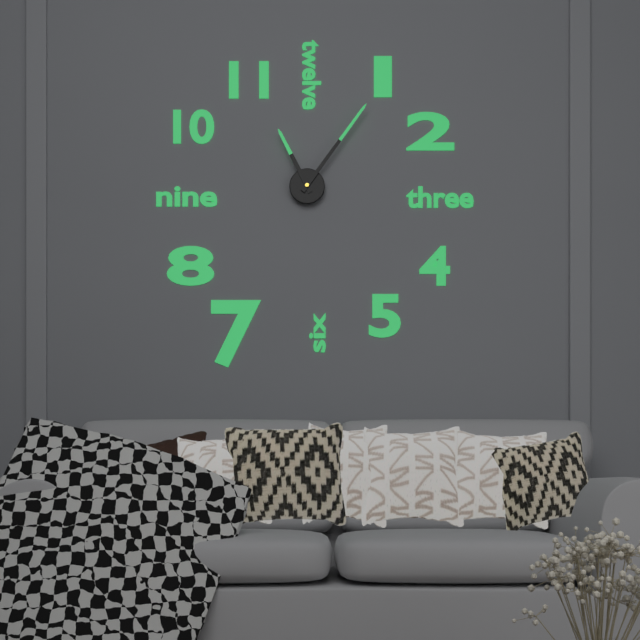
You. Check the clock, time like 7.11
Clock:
11.06
